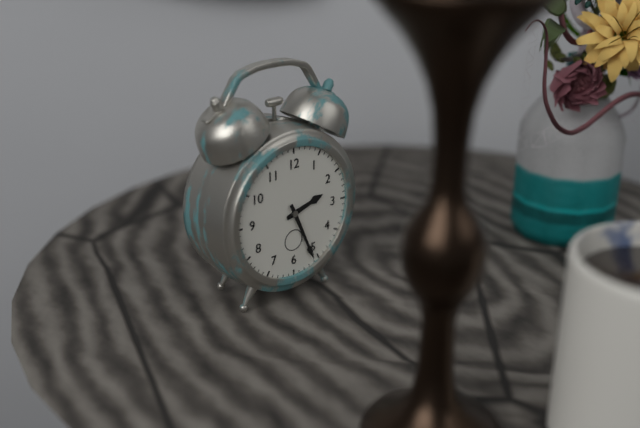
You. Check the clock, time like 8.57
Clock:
2.26
